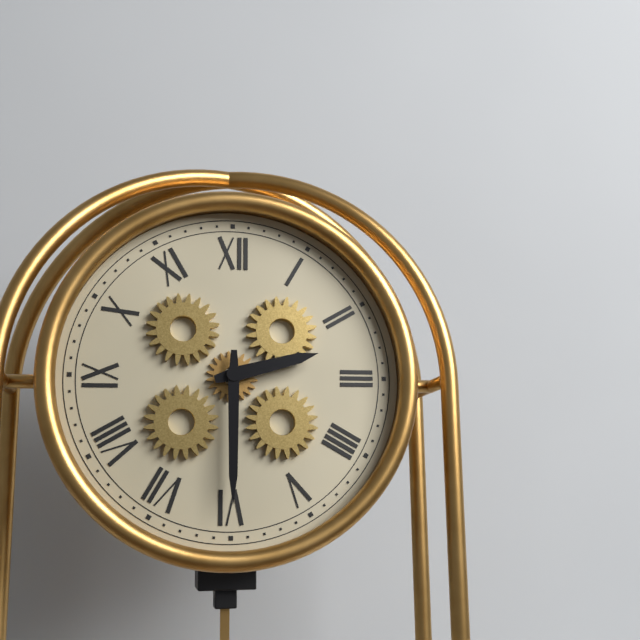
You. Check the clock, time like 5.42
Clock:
2.30
